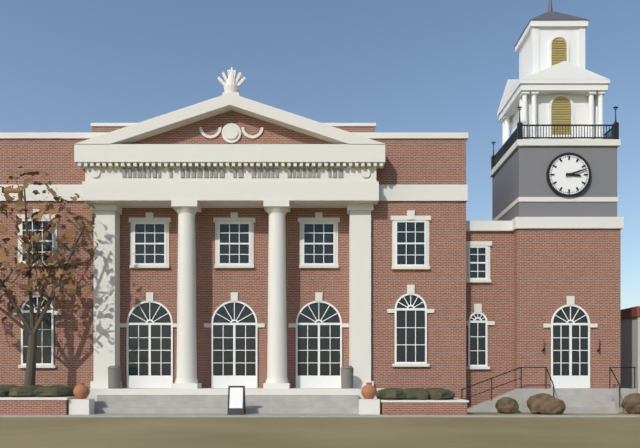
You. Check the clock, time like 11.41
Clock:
3.12
